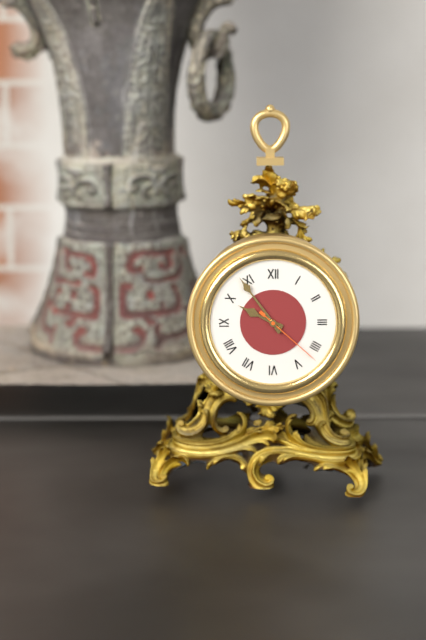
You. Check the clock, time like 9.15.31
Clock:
9.54.22
